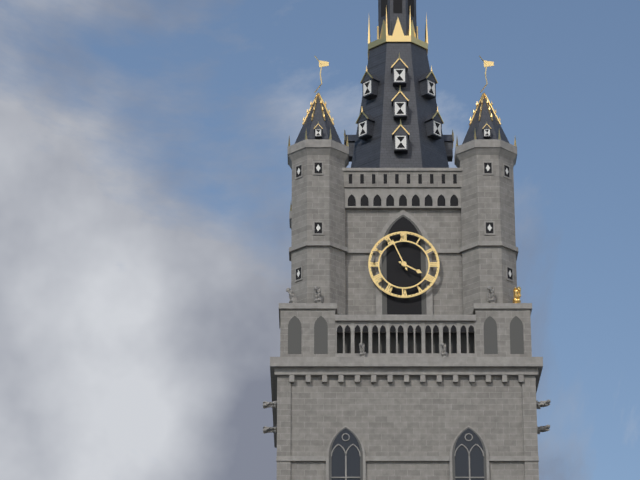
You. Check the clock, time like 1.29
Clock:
3.56
